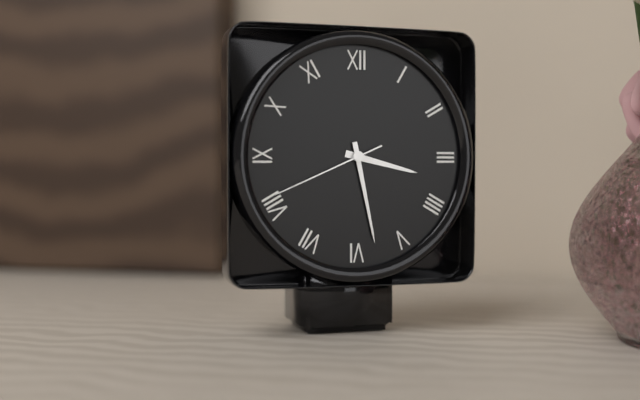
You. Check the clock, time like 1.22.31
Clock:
3.28.41
